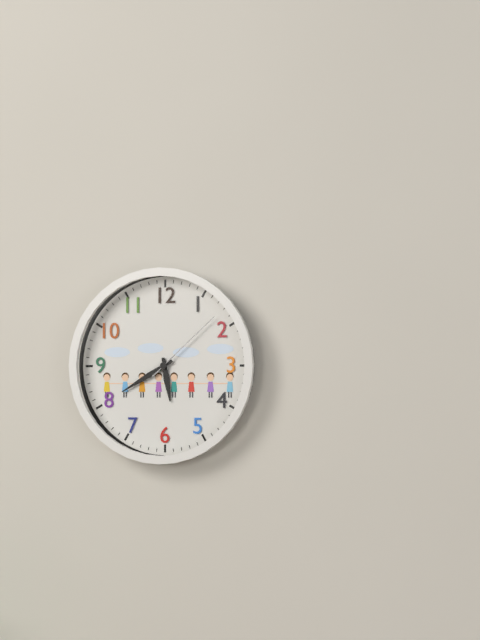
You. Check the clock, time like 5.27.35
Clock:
5.40.08
